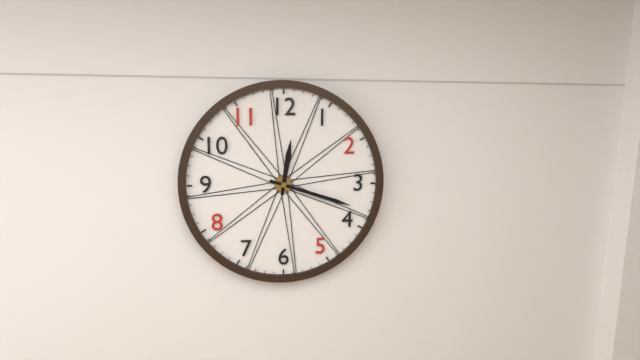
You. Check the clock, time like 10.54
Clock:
12.18
